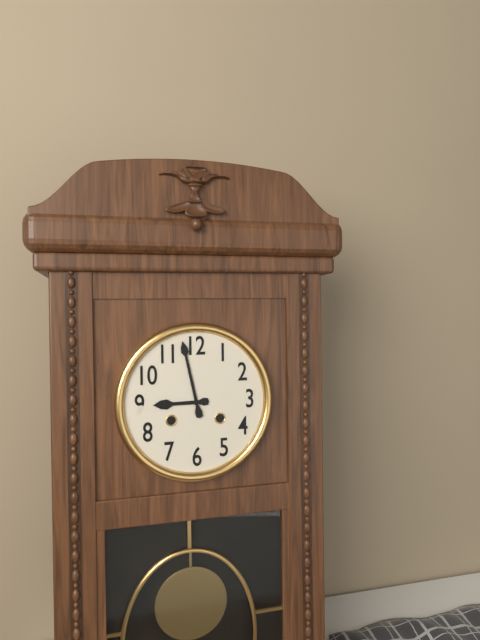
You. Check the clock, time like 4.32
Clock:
8.58
